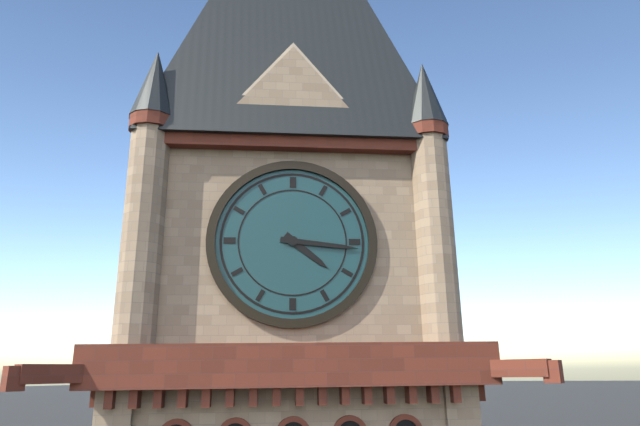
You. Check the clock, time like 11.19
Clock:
4.16
